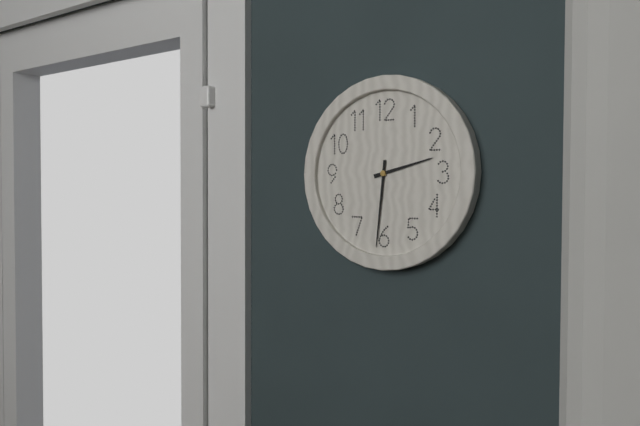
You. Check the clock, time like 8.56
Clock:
2.31
